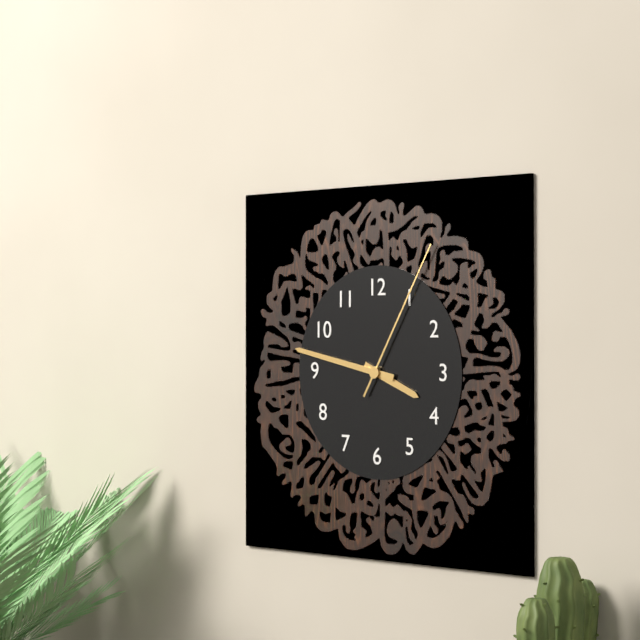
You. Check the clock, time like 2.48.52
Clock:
3.47.05
